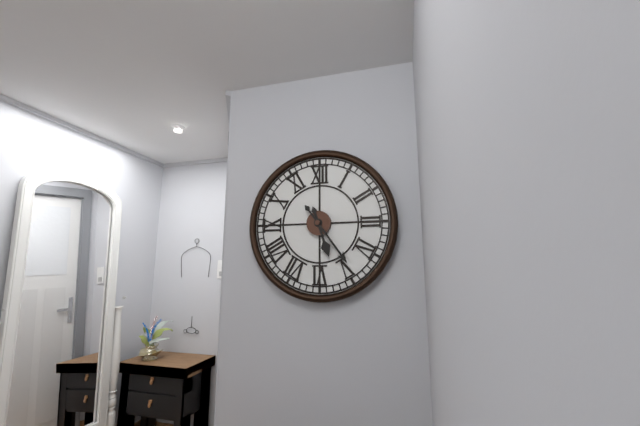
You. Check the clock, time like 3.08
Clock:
5.24
